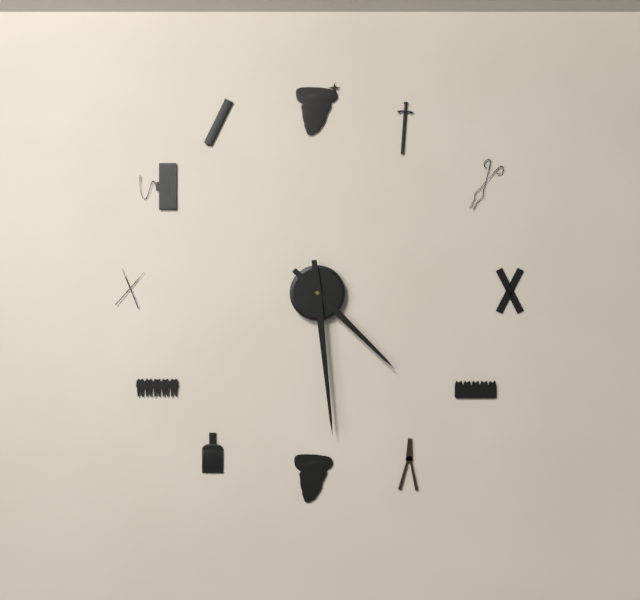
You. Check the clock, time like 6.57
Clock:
4.29
